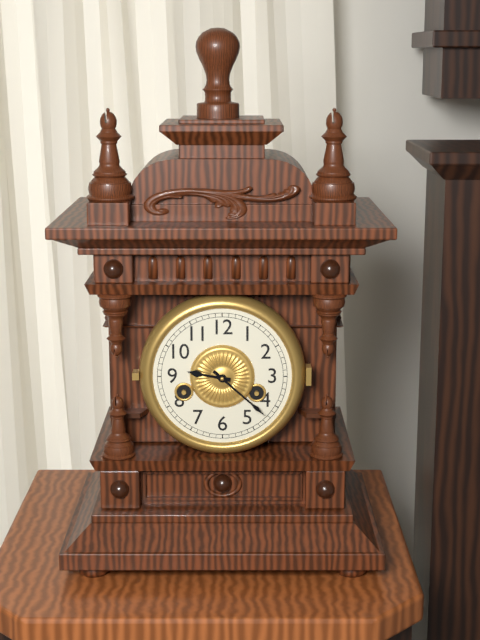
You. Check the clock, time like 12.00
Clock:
9.22
